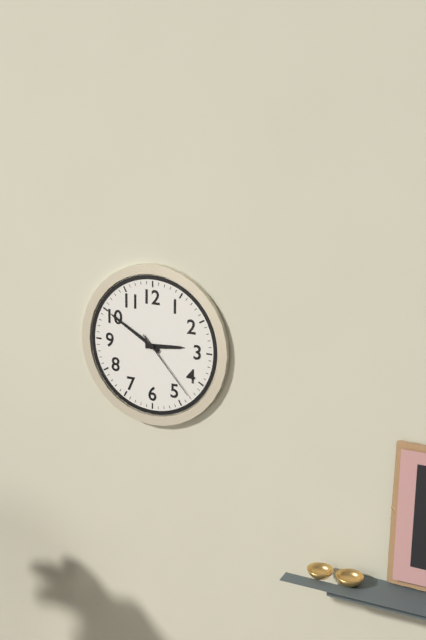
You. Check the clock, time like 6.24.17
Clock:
2.50.23
